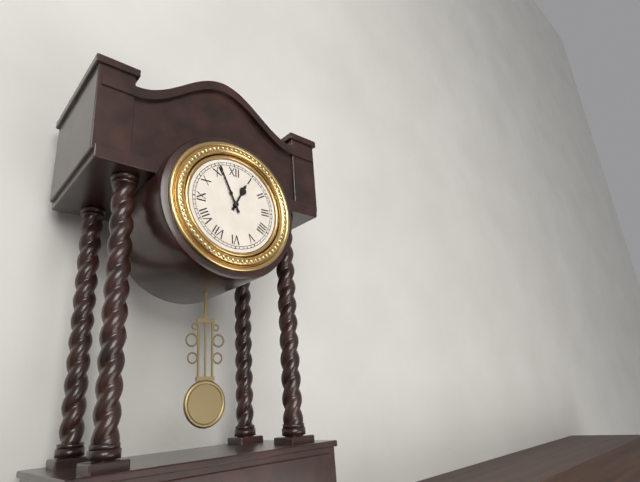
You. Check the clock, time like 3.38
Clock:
12.56
